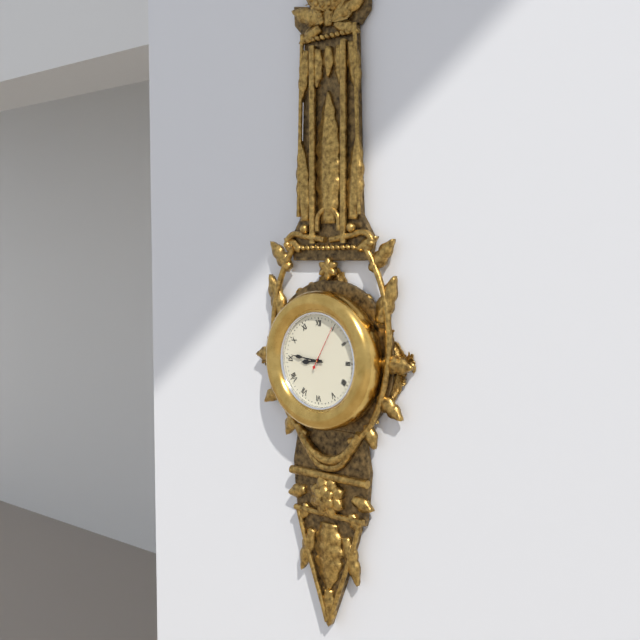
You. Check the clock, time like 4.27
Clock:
8.46
